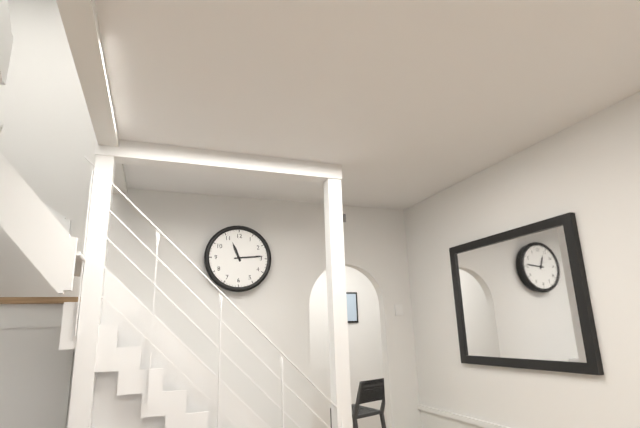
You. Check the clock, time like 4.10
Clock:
11.14
